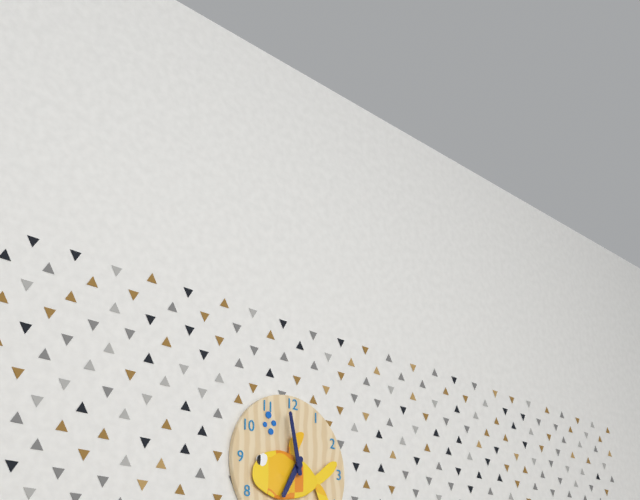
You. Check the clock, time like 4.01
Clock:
6.58
